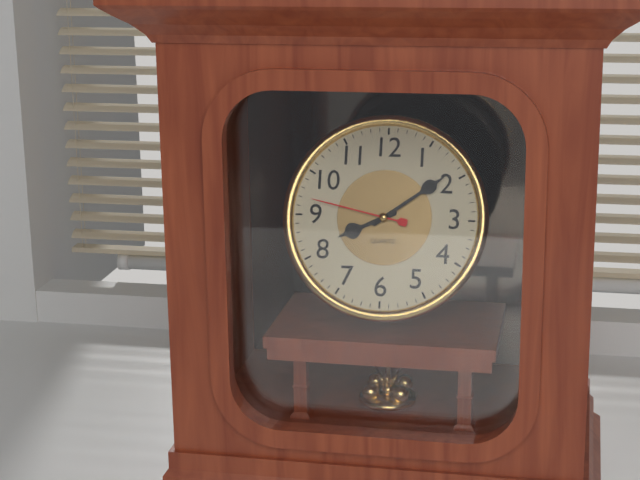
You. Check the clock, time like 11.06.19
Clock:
8.09.47
